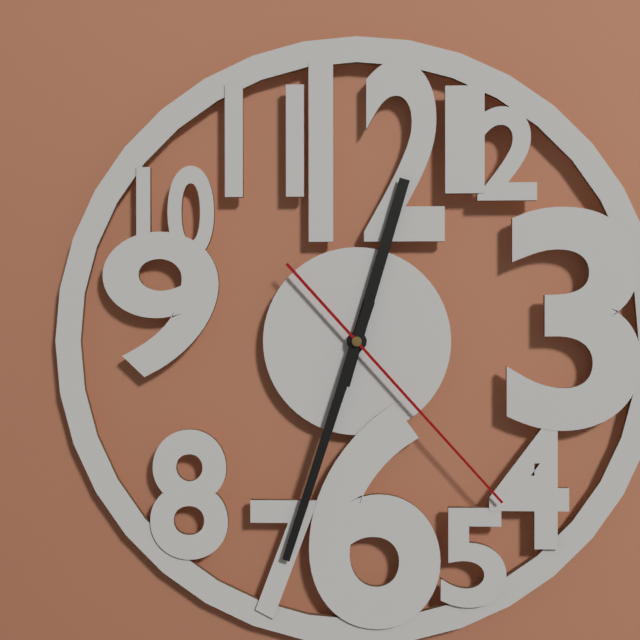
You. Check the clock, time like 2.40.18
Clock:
12.33.23
